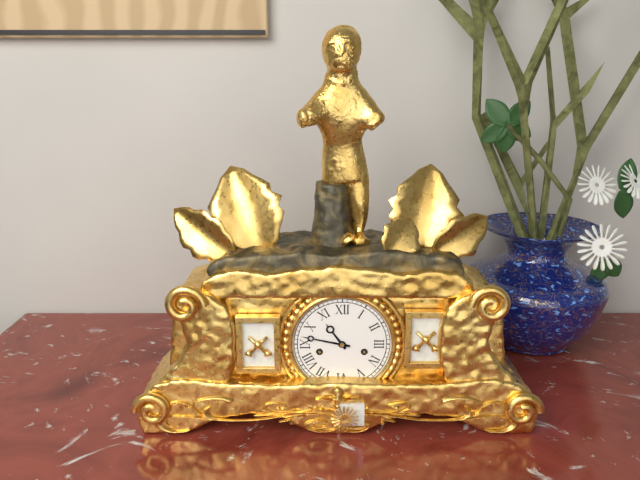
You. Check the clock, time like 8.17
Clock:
10.47
